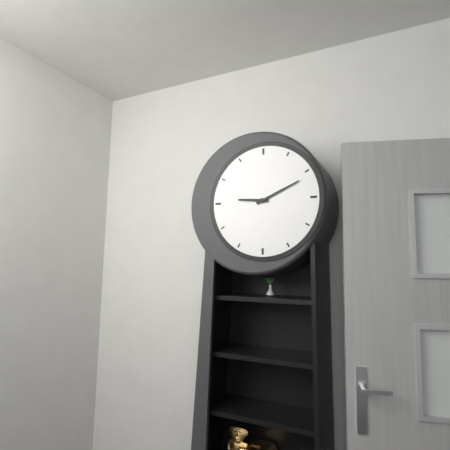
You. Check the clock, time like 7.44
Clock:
9.11
